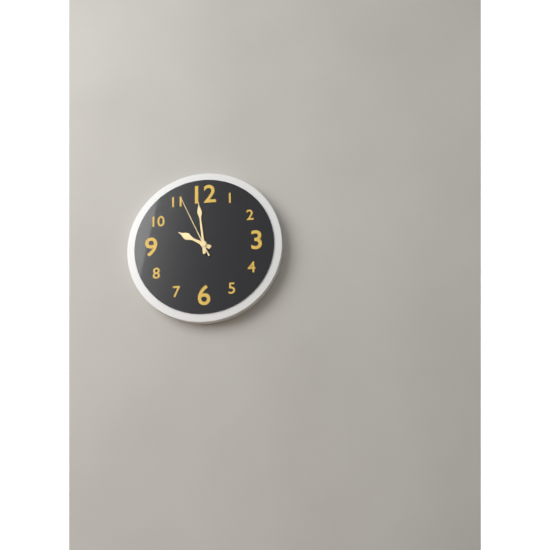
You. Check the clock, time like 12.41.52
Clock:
9.59.56
